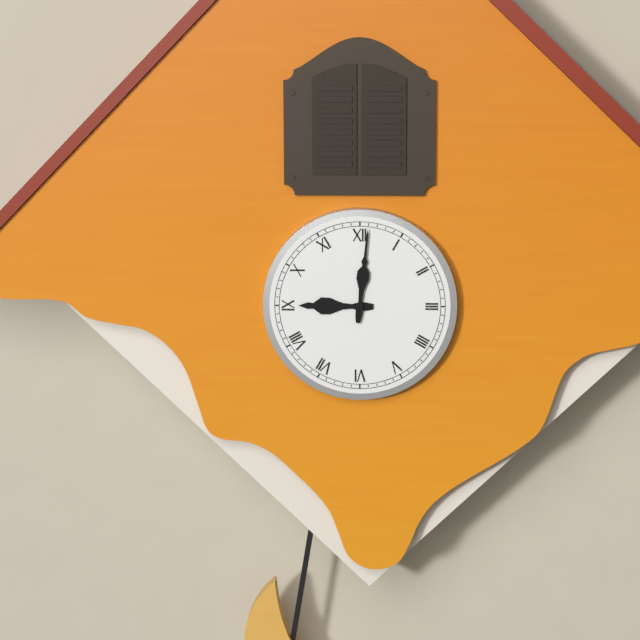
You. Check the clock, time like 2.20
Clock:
9.01
